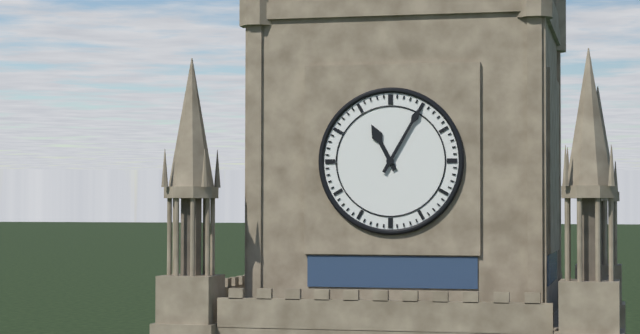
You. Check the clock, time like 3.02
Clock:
11.05
